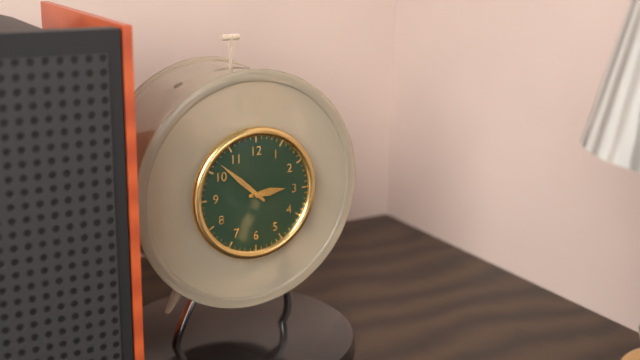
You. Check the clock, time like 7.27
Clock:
2.52
